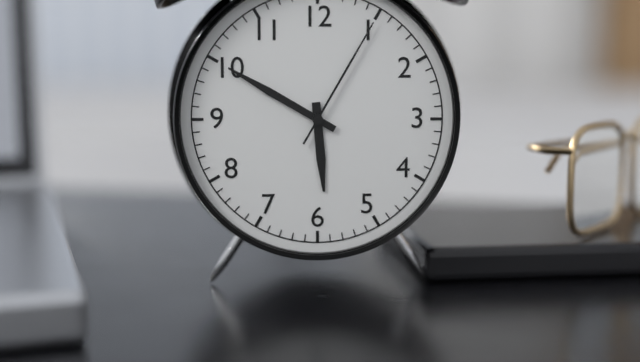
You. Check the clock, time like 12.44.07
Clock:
5.50.05
